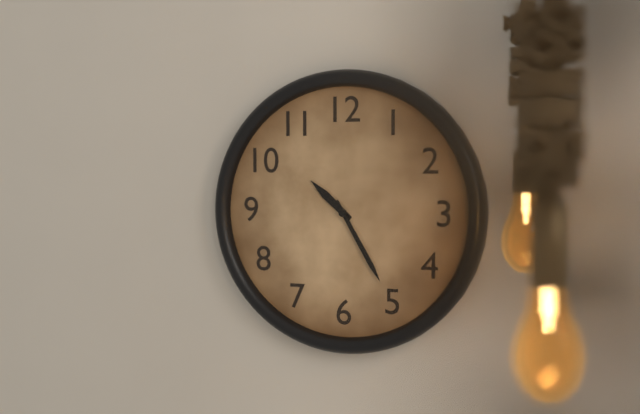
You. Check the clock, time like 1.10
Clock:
10.25
